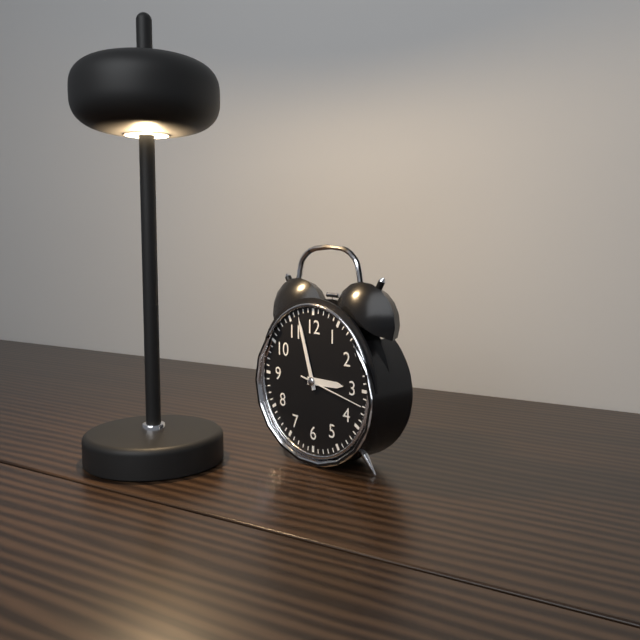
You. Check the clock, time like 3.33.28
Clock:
2.57.17
